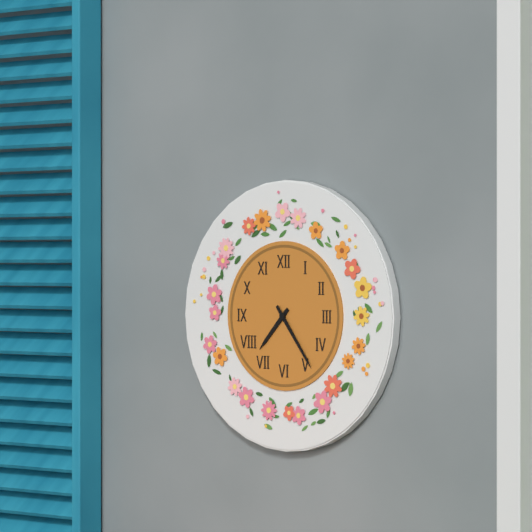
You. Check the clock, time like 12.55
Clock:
7.24
